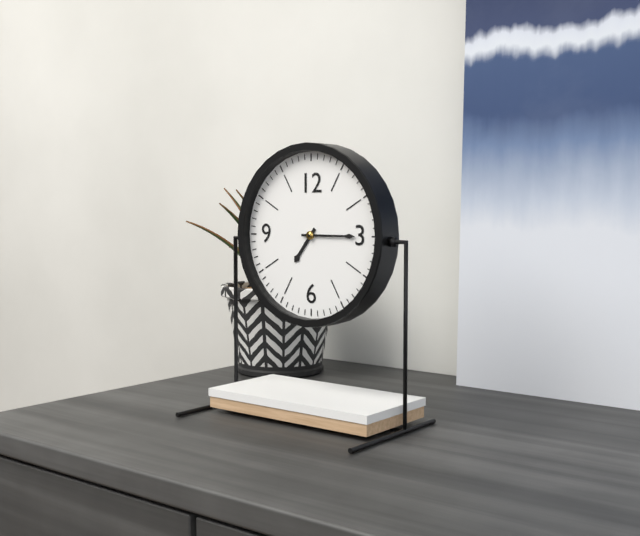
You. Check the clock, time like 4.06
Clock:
7.15
